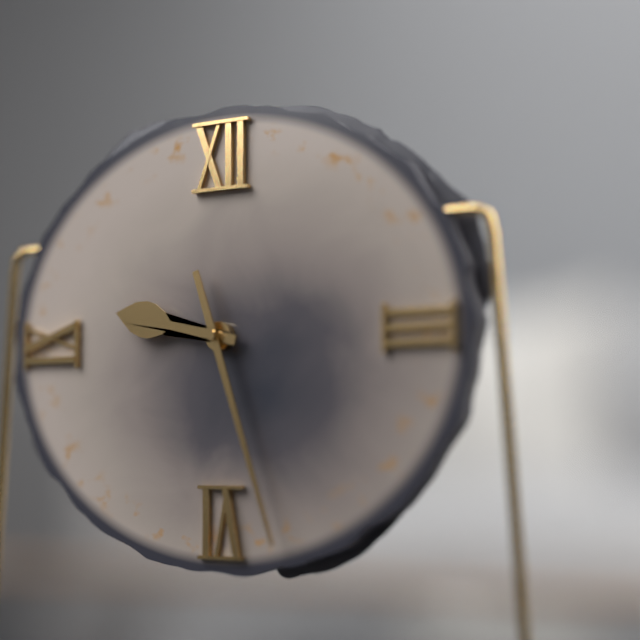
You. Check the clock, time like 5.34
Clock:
9.27
